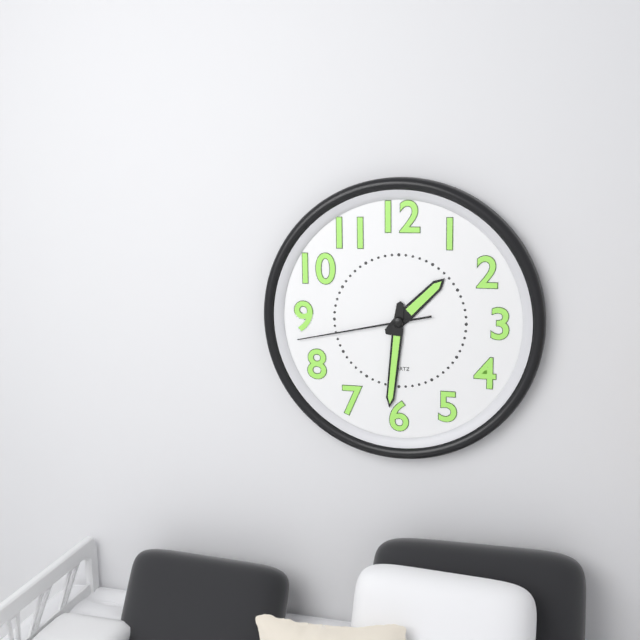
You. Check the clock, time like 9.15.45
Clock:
1.31.43
